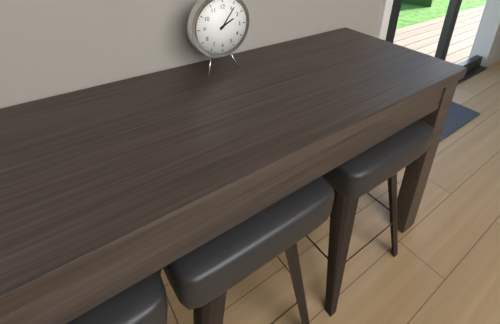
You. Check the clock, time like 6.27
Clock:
2.06
